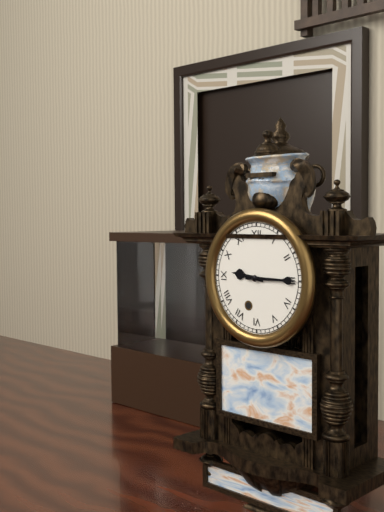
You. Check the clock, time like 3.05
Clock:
9.15
